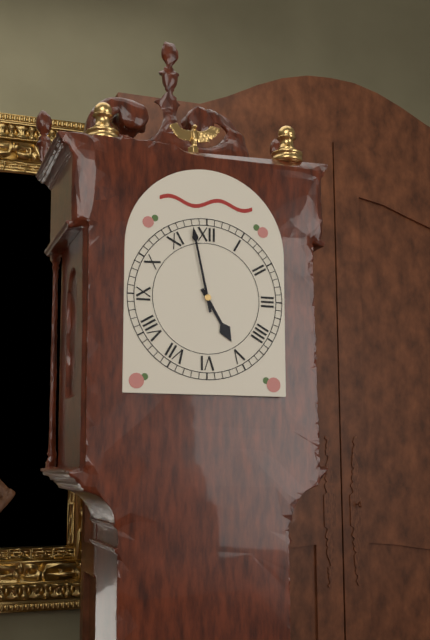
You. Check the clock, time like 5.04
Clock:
4.58
